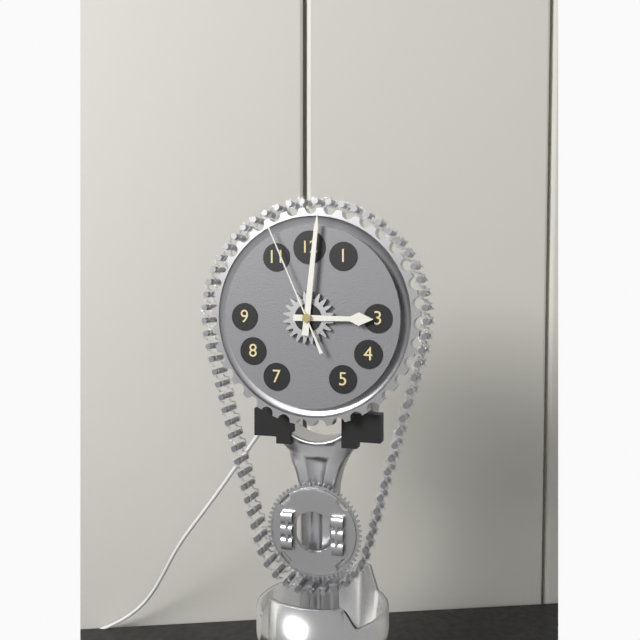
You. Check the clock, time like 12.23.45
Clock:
3.01.56
